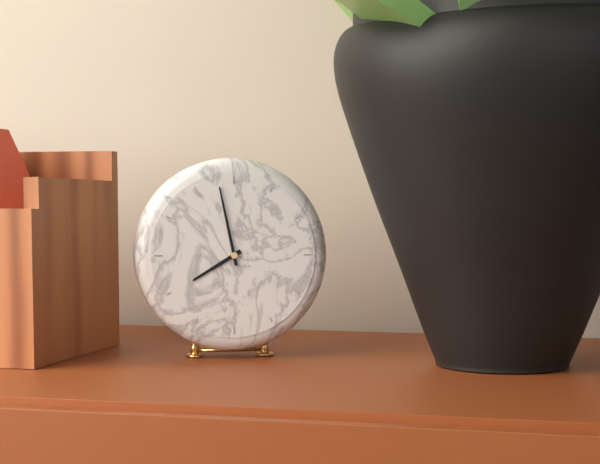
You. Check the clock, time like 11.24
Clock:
7.58
